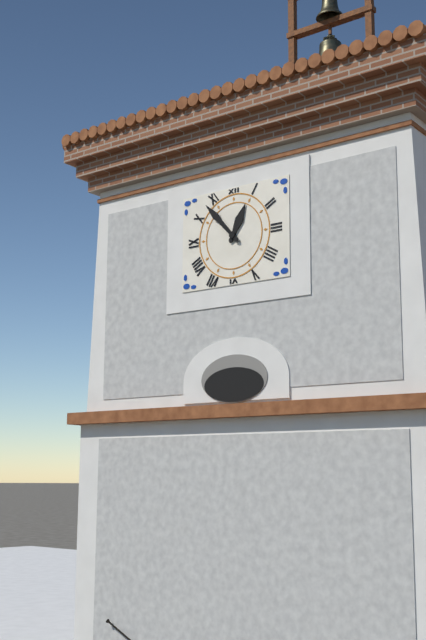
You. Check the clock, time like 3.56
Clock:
12.53
